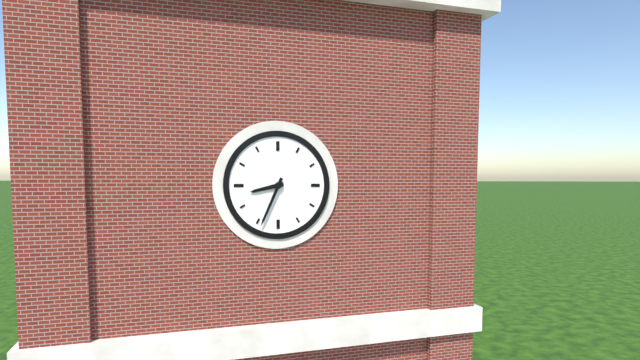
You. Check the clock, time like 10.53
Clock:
8.34
